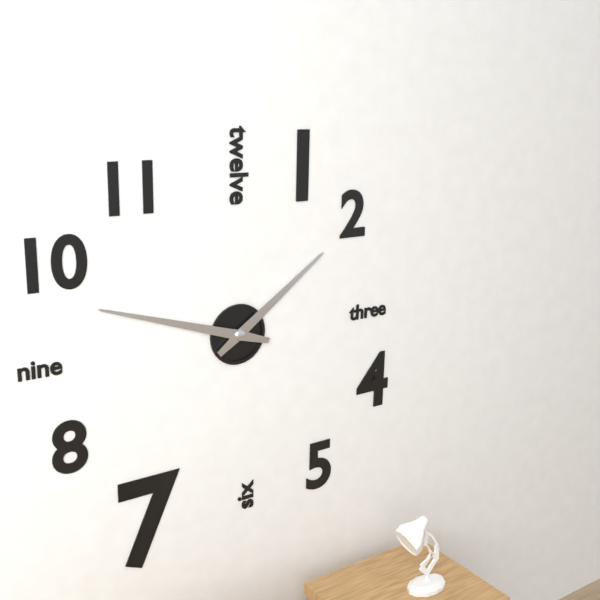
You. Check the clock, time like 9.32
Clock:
1.48
